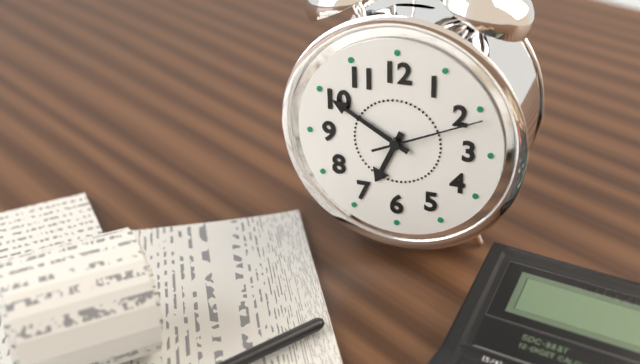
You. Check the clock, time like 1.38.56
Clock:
6.50.11
